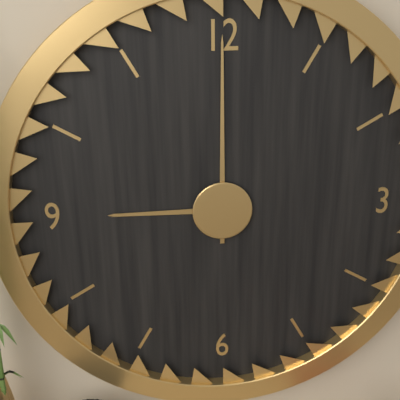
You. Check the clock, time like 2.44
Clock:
9.00
